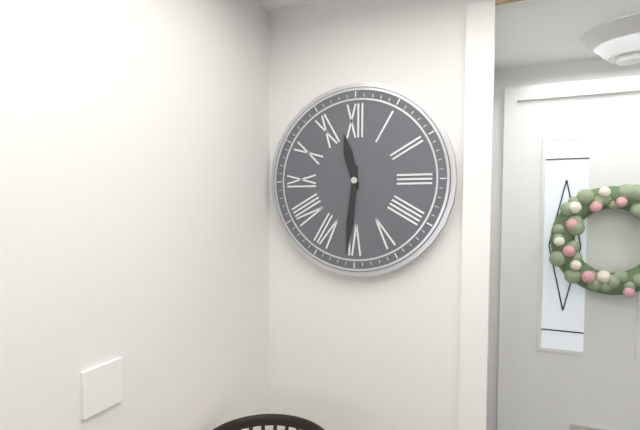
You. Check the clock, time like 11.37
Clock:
11.31
